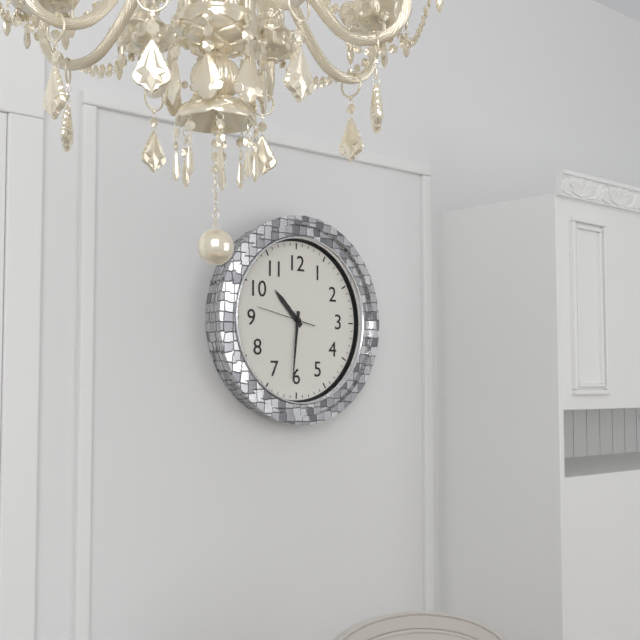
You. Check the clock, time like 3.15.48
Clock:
10.31.47
